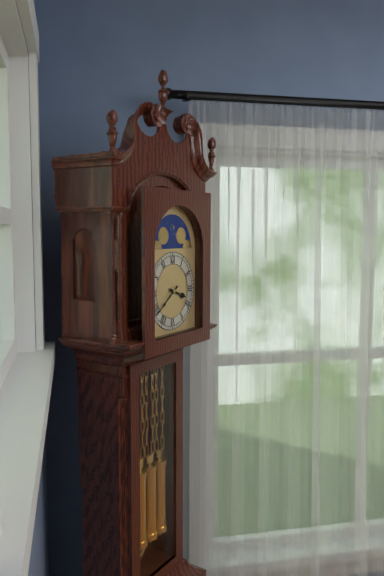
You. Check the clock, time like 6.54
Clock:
3.39
